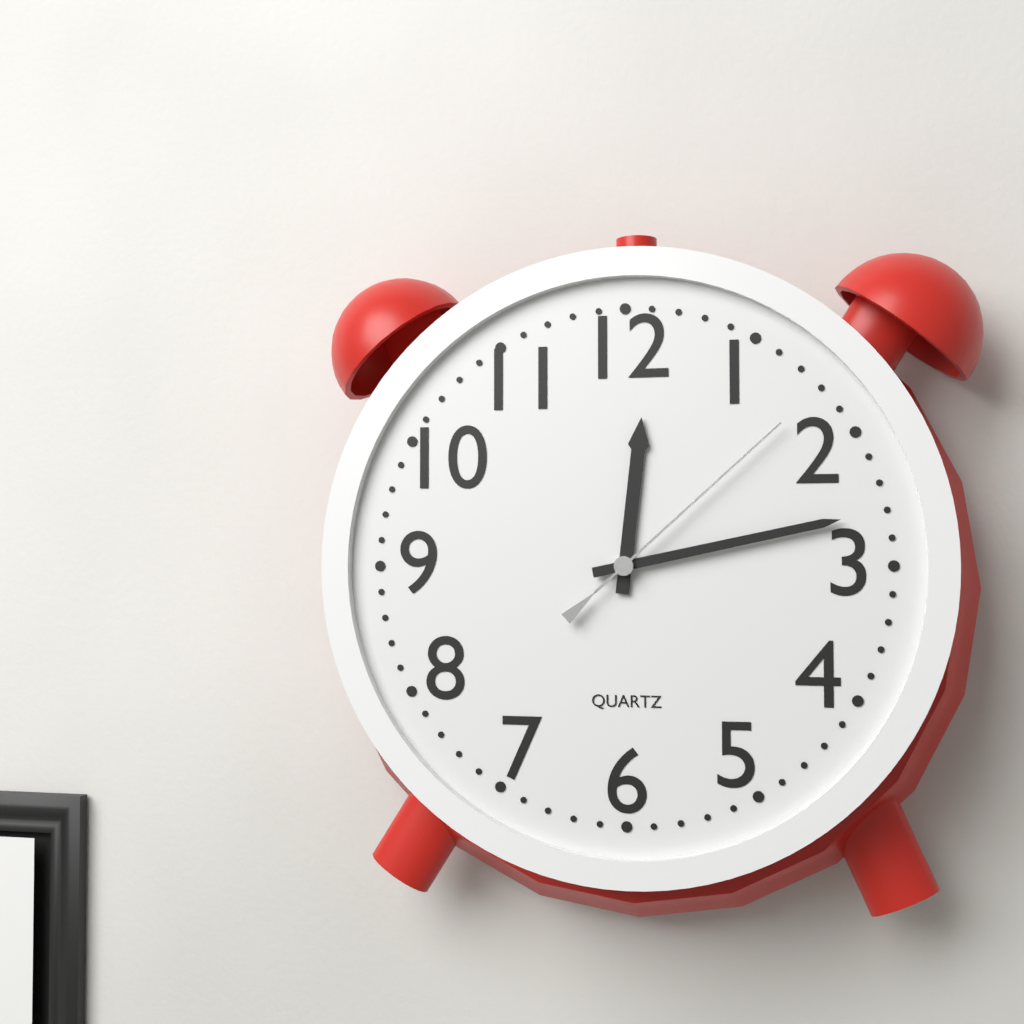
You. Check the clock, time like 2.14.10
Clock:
12.13.08
